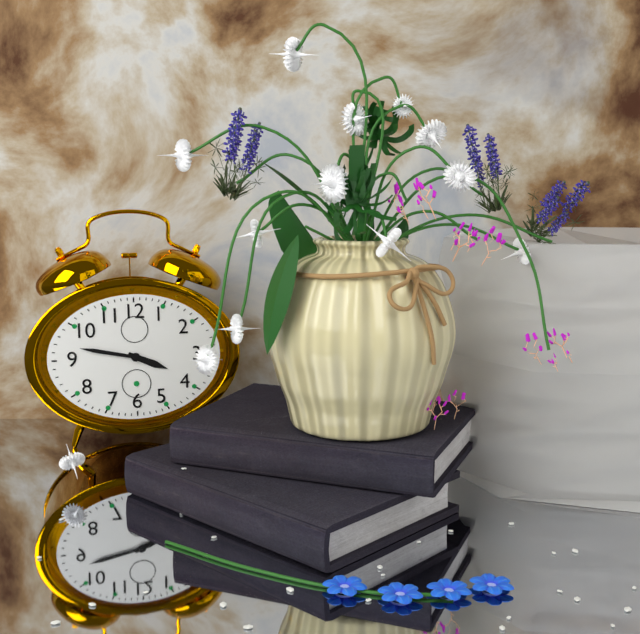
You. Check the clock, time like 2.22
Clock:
3.47
